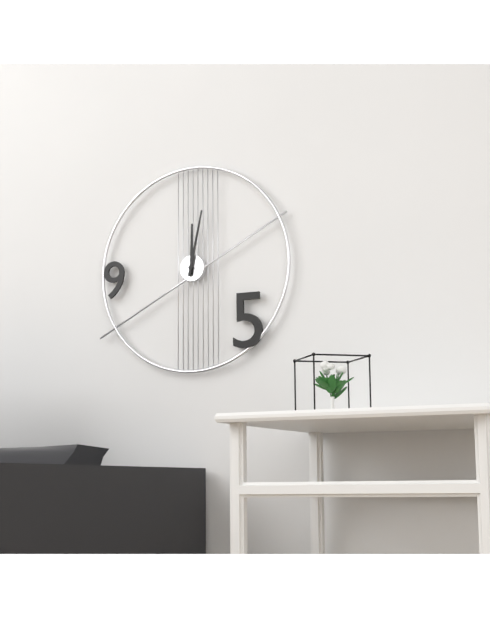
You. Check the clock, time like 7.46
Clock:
12.02
